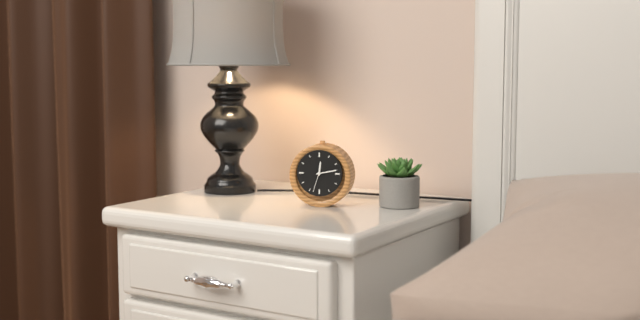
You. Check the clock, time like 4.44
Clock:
12.13
